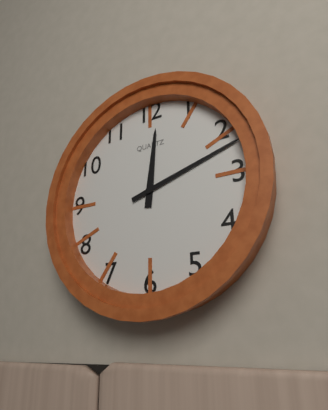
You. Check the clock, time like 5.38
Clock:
12.12
